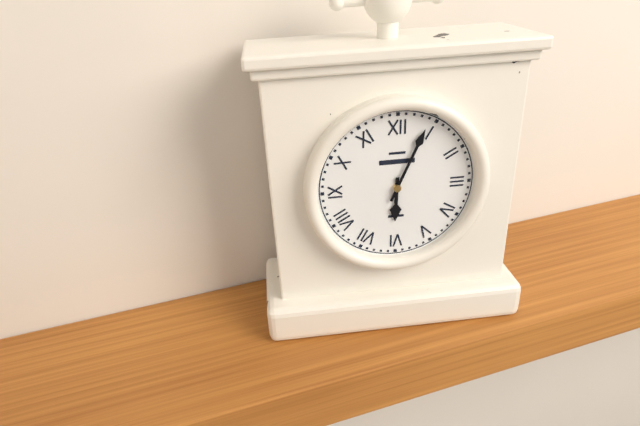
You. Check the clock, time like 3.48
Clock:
6.04
